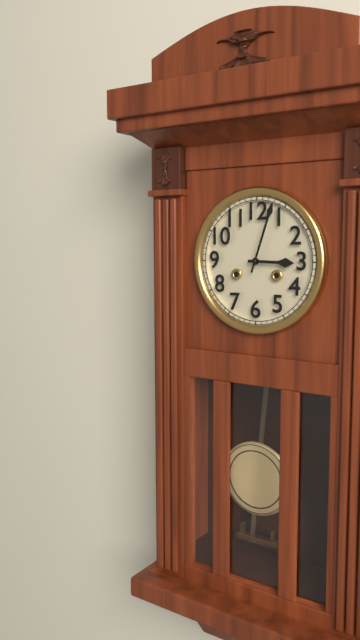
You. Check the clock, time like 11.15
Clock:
3.03
